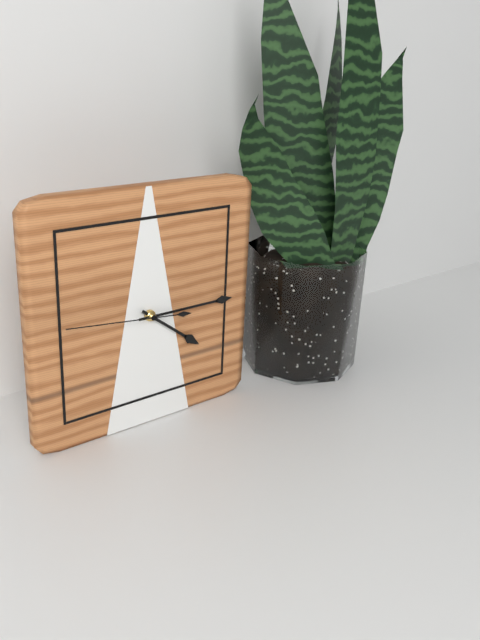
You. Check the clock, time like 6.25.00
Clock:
4.15.46
